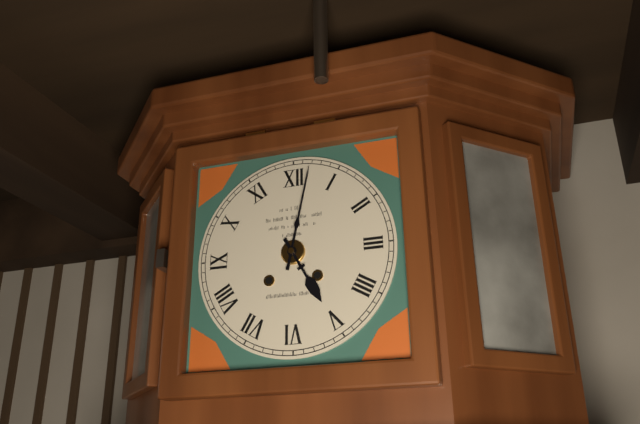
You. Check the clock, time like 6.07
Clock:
5.02
